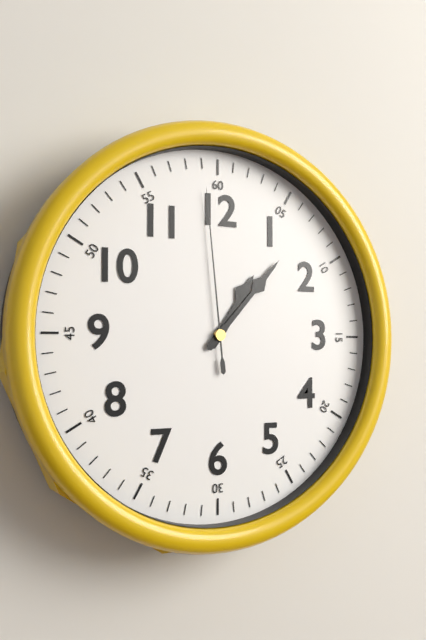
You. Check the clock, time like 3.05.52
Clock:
1.07.59
